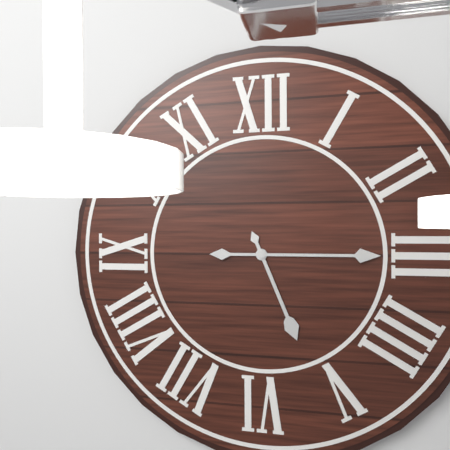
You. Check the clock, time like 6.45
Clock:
5.15
